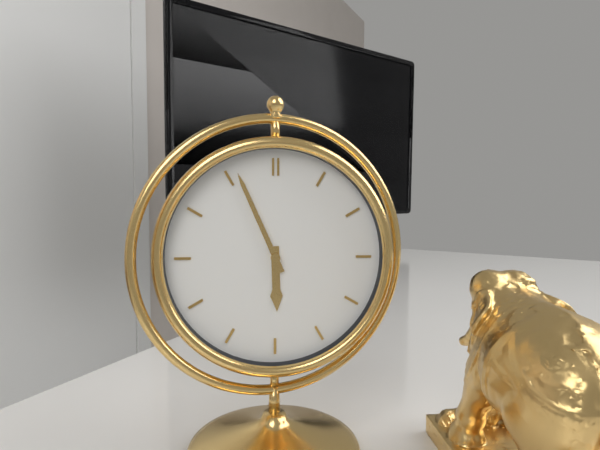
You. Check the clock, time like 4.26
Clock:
5.56
